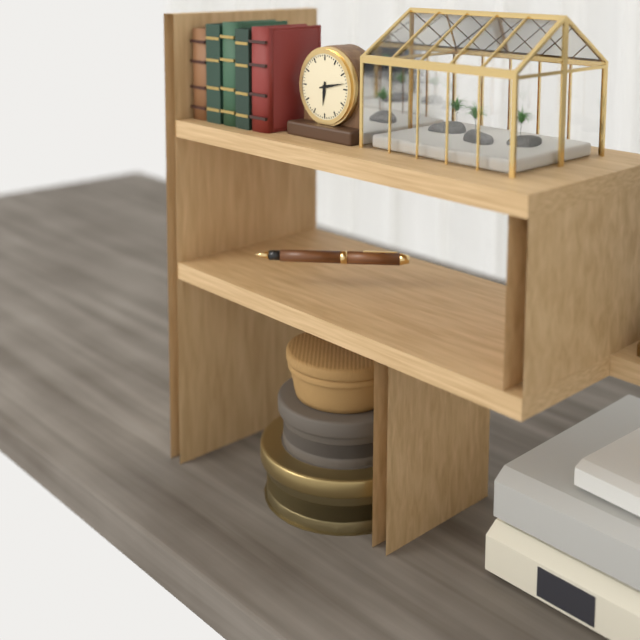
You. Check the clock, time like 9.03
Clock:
6.13
